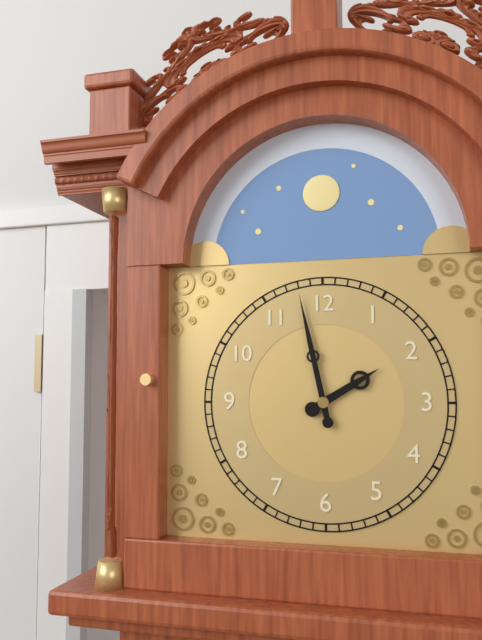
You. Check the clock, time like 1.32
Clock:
1.58
